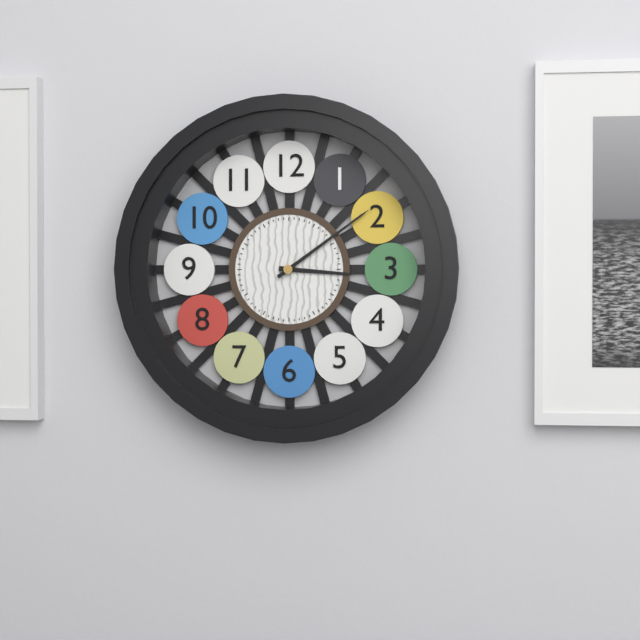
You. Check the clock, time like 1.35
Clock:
3.09
